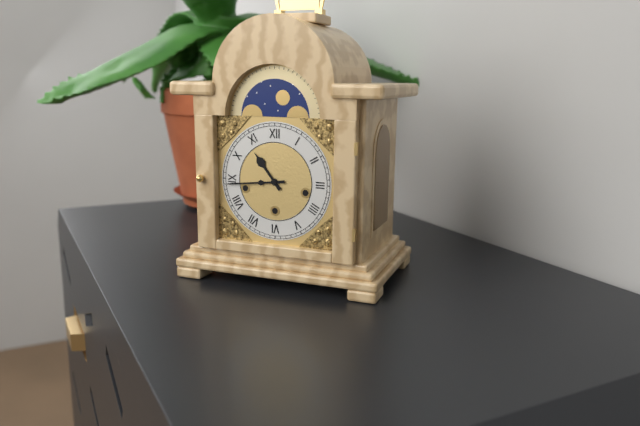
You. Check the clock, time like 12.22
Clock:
10.44
